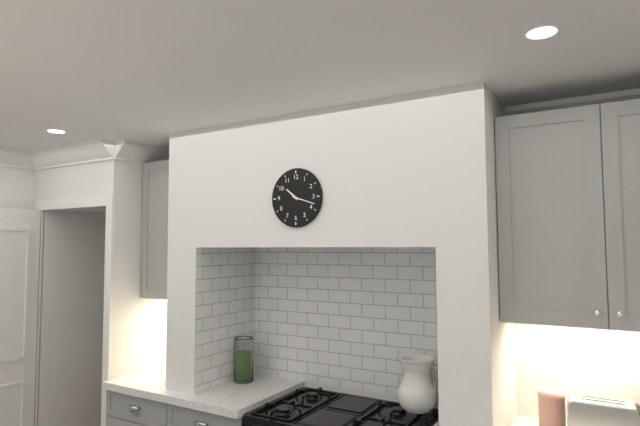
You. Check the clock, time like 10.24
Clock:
10.18
